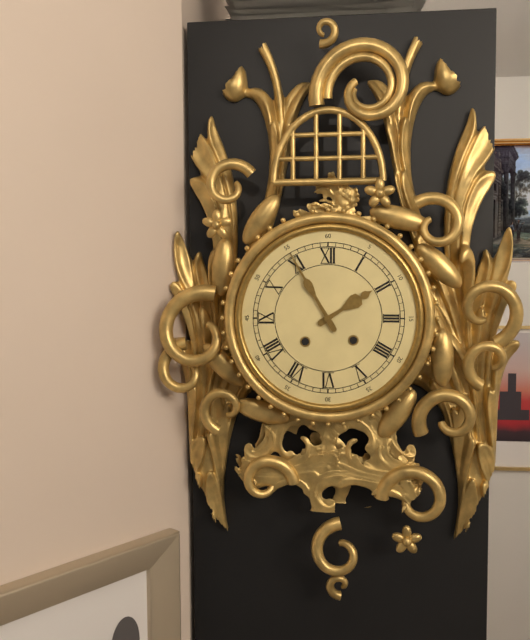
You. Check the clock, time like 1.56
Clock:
1.55
